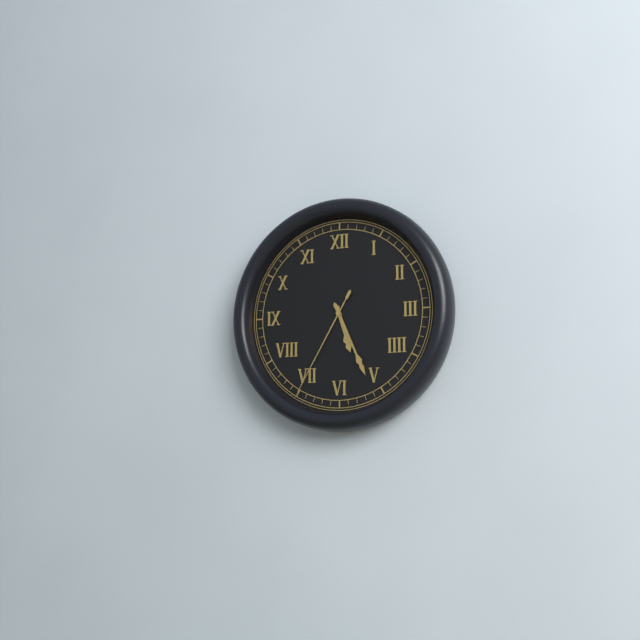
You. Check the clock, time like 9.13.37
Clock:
5.26.35
